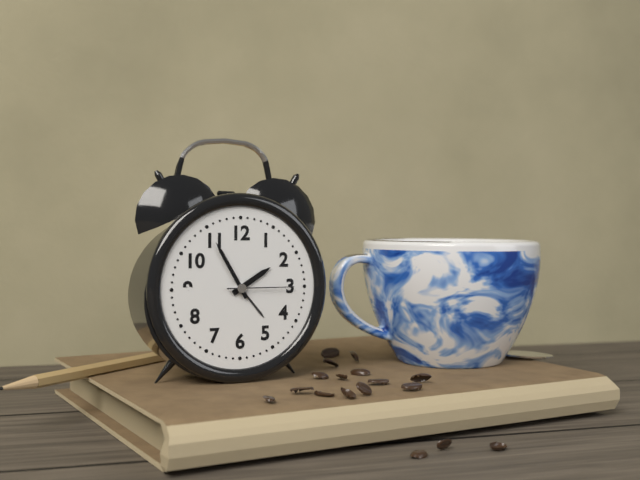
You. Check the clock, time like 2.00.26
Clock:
1.55.15
